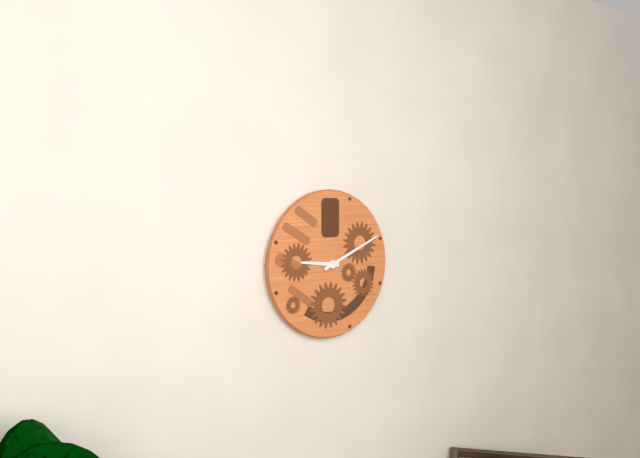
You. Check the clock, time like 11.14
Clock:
9.11
